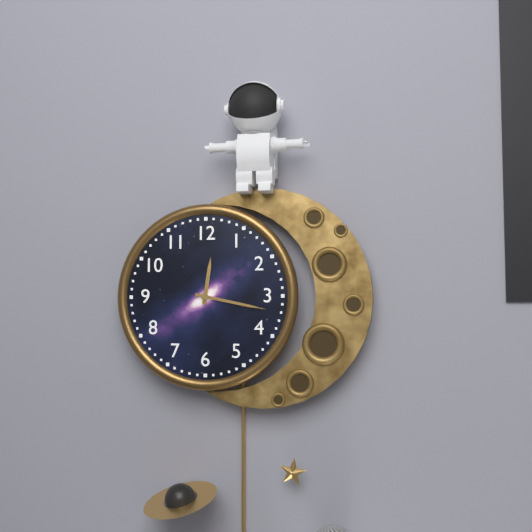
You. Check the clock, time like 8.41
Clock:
12.17
